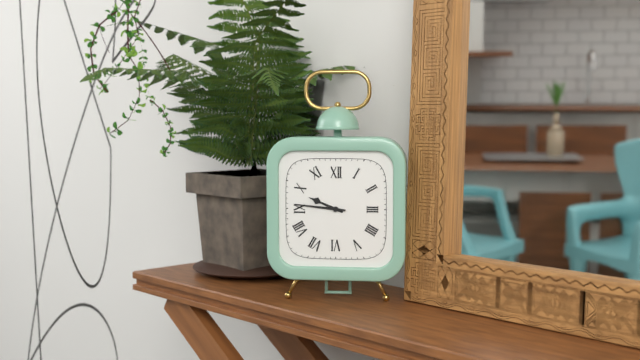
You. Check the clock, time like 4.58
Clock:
9.46
